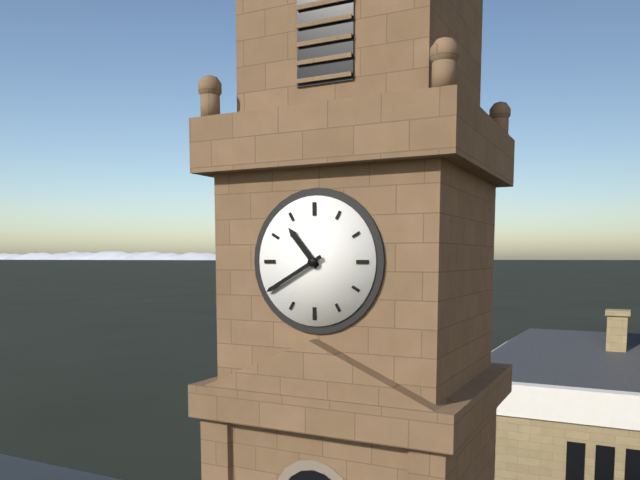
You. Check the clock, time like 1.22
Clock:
10.40
